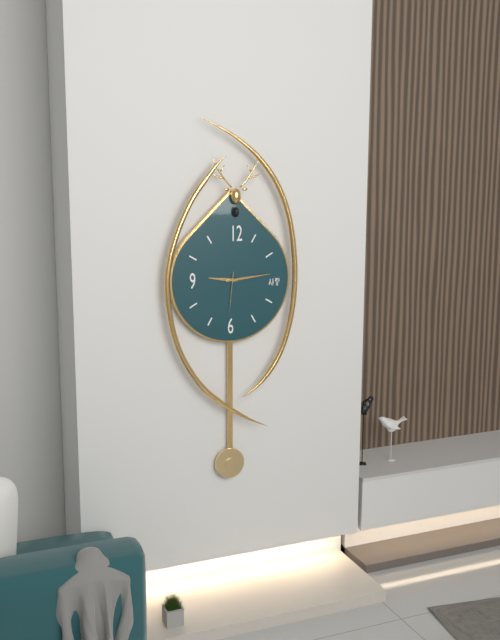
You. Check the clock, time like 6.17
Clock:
9.14
